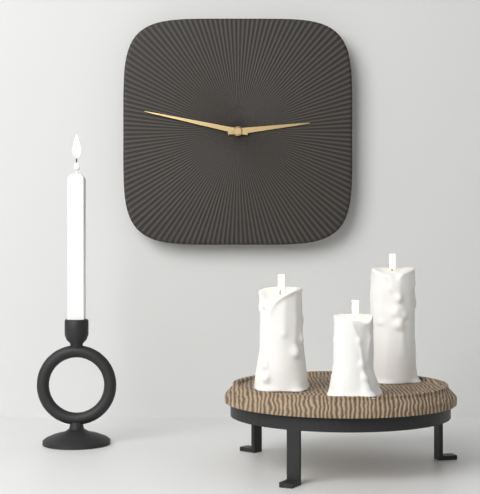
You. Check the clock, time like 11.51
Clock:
2.47
